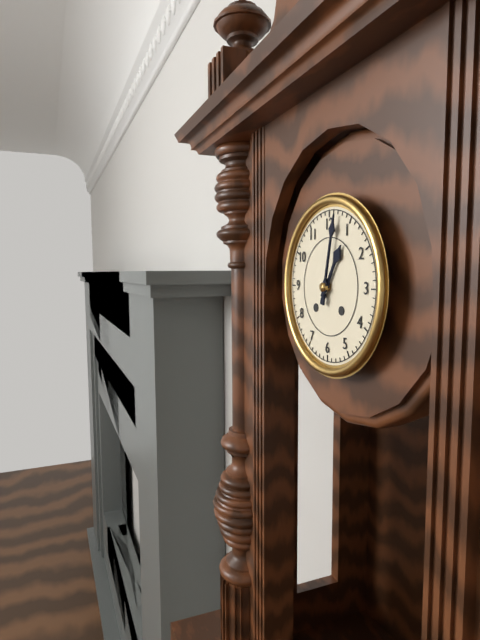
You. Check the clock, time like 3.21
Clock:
1.02
